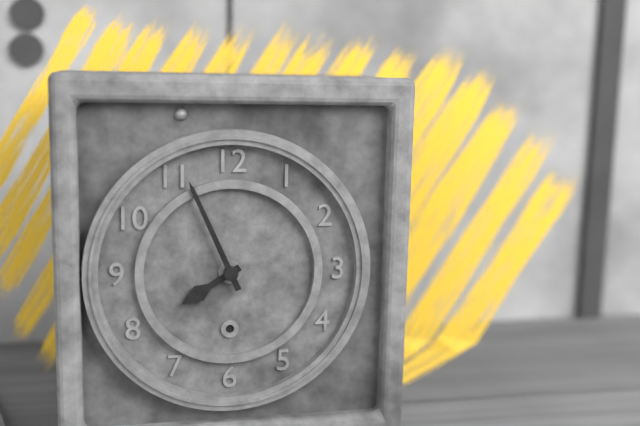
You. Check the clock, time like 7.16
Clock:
7.56
